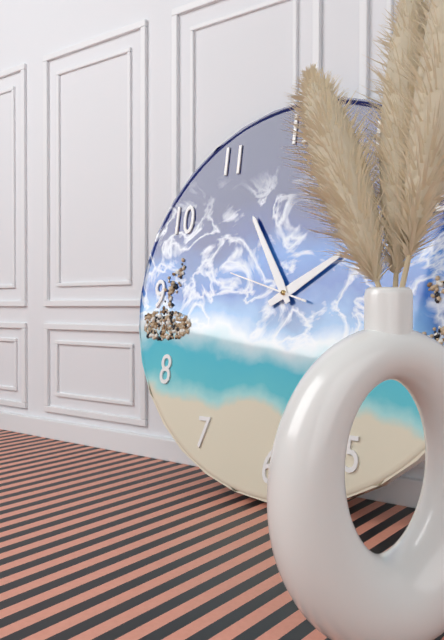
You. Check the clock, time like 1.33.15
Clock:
1.55.48
